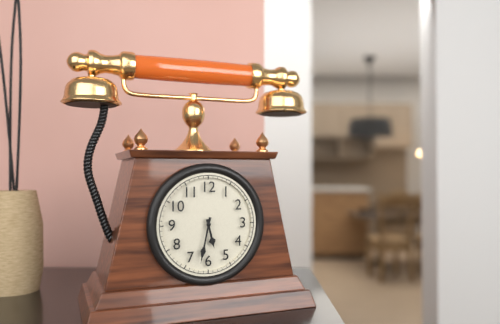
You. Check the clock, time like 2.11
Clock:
5.32
